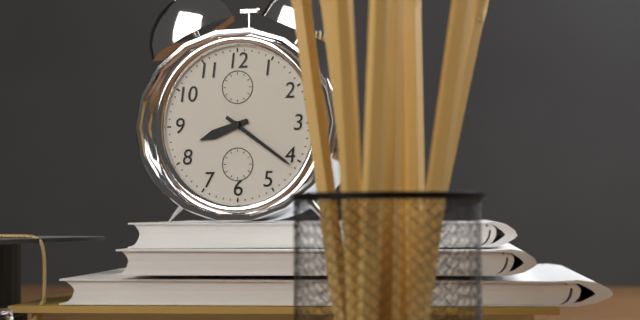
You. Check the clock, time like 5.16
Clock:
8.21
